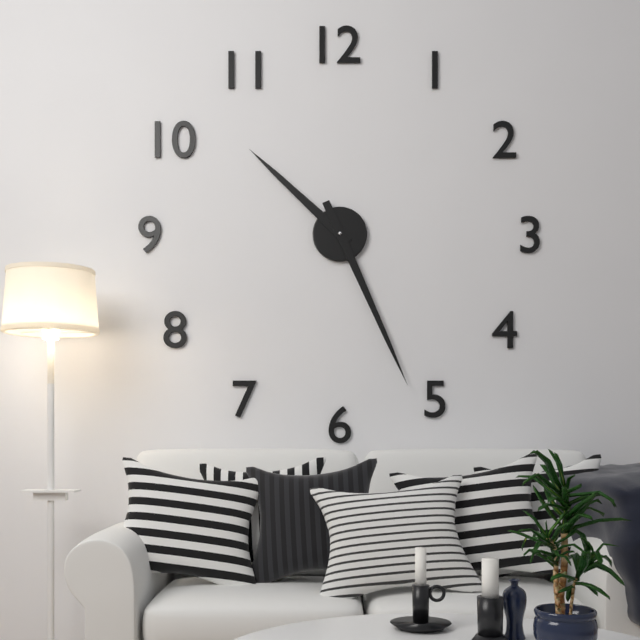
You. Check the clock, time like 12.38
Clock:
10.26
